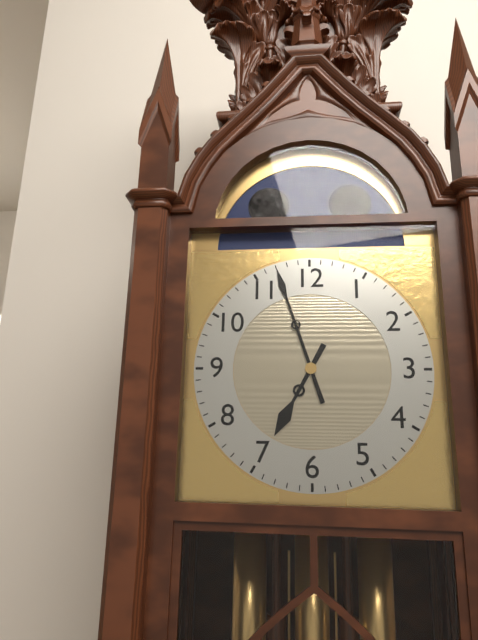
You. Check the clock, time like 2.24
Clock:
6.57
